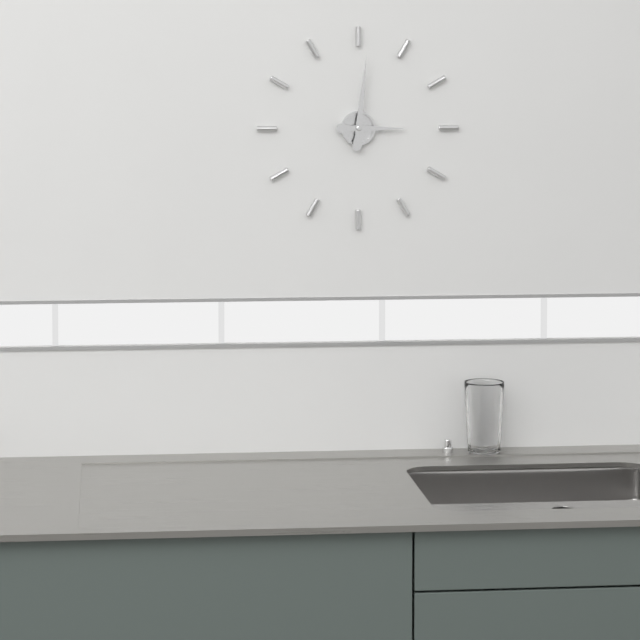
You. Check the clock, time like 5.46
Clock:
3.01
